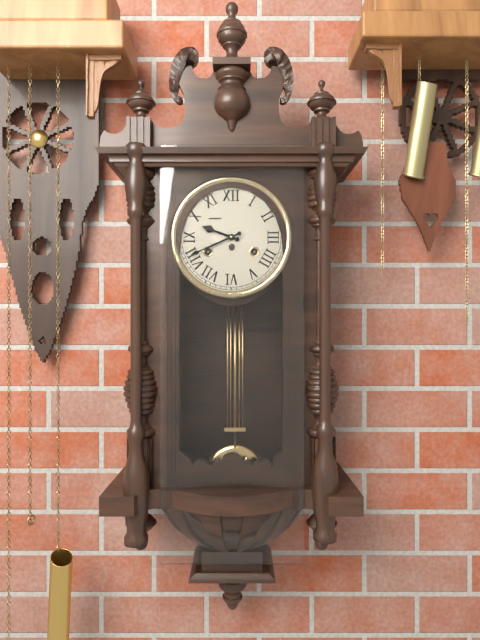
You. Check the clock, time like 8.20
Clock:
9.41
